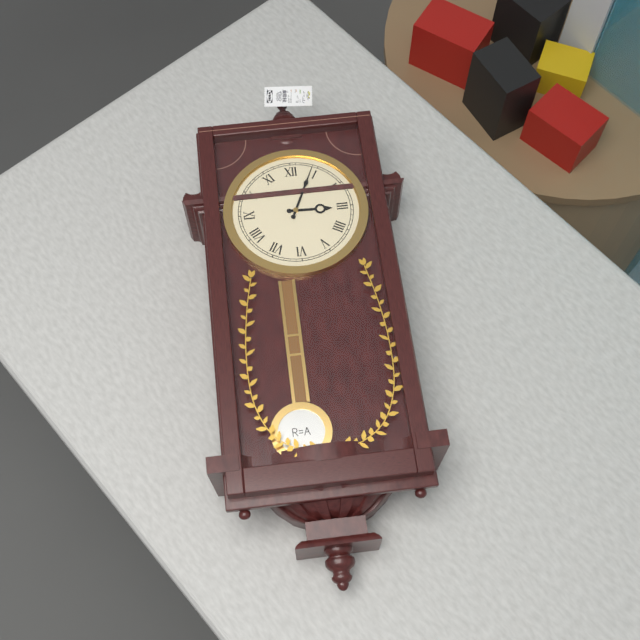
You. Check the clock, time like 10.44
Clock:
3.04
